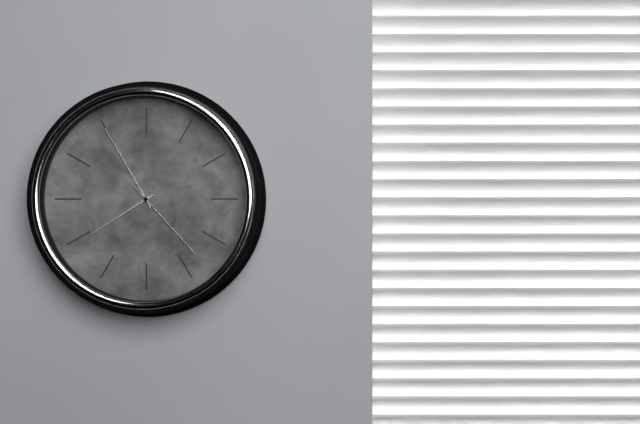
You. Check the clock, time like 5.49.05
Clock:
7.55.23
